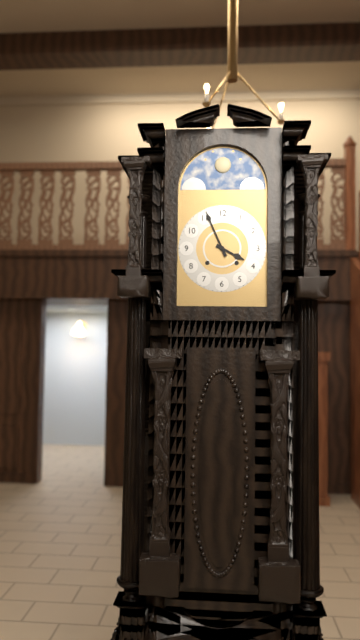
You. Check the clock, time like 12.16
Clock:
3.56
